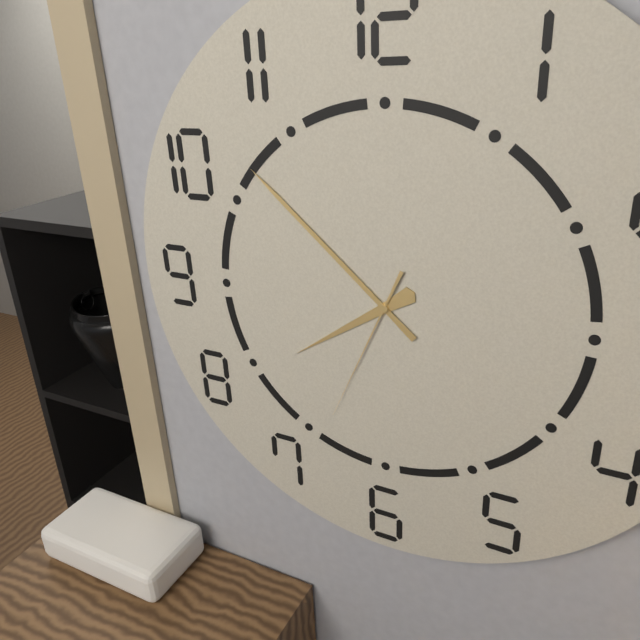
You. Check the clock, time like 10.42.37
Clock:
7.52.34
